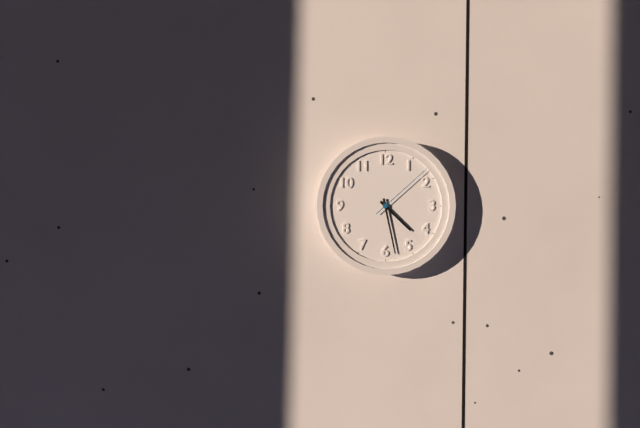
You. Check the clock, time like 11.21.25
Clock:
4.28.08
